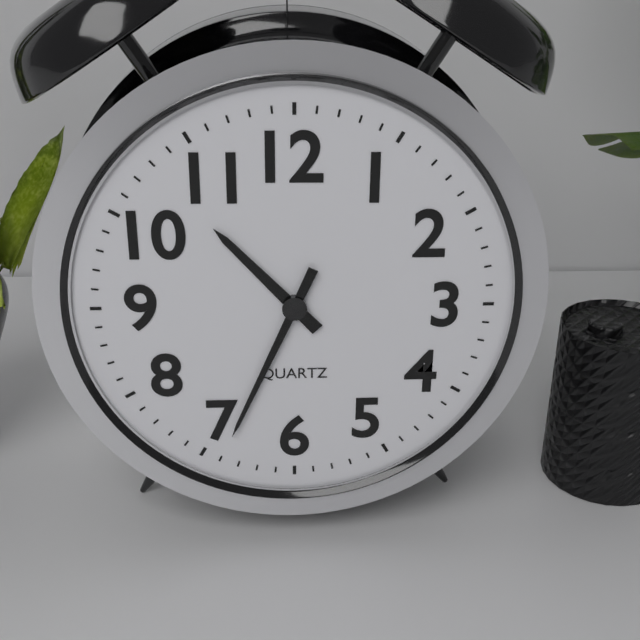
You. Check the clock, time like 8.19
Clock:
10.34
